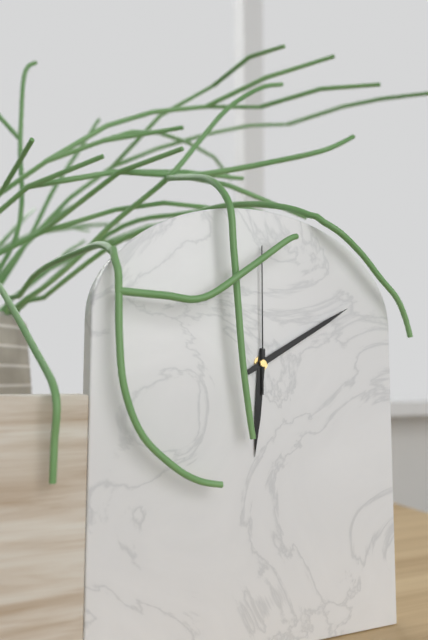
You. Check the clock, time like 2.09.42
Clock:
6.10.00
